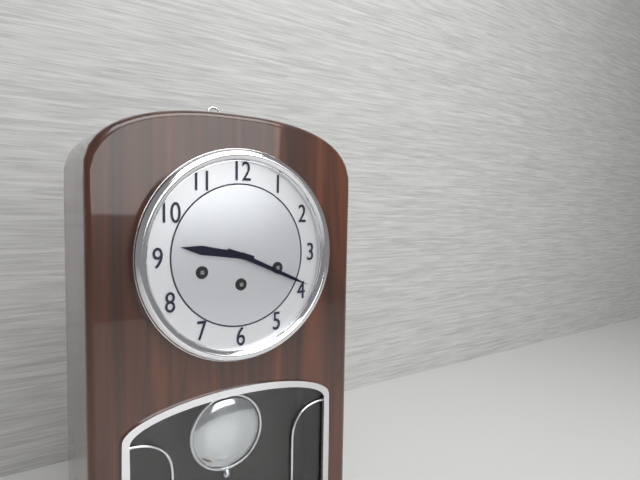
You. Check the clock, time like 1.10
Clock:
9.19
